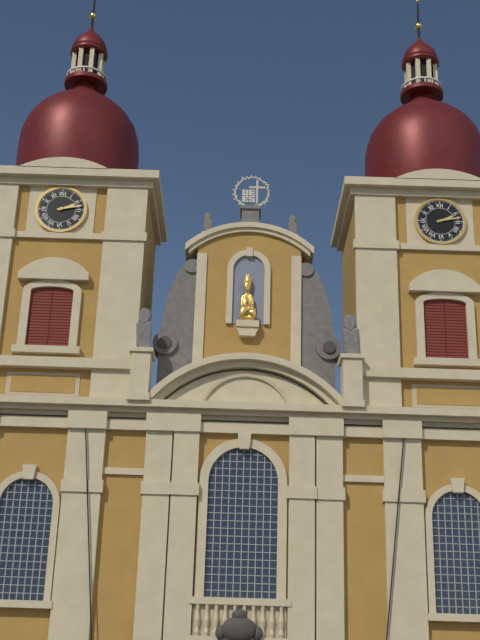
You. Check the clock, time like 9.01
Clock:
2.13
